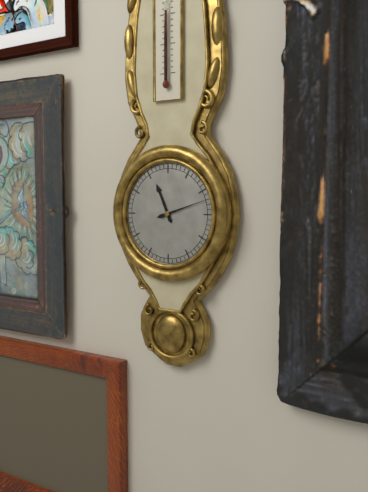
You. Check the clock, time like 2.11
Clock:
11.12
